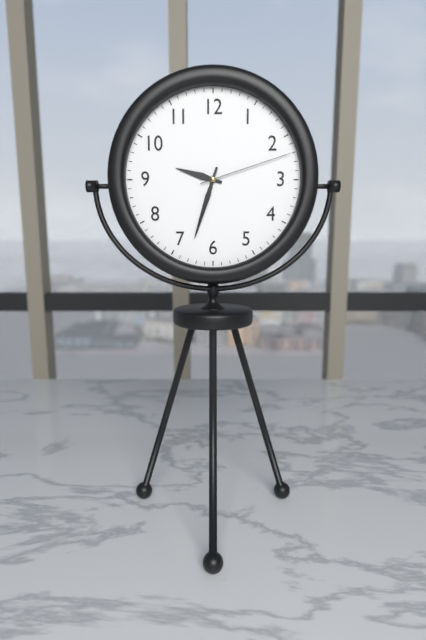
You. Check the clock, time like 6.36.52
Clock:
9.33.12
